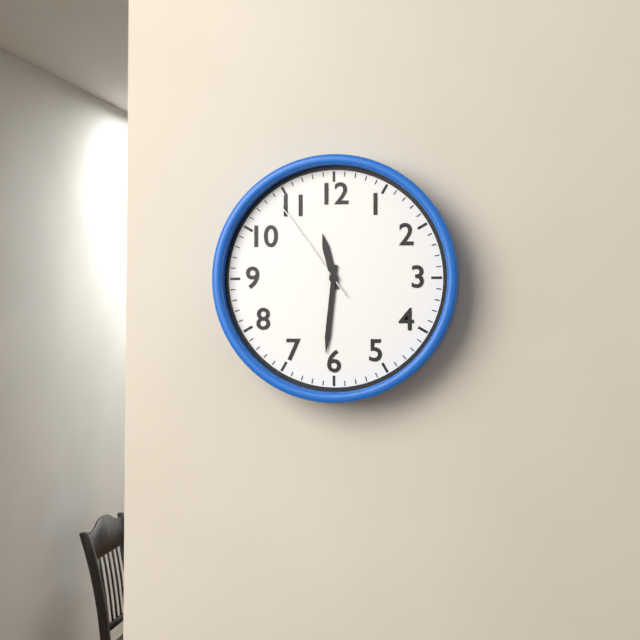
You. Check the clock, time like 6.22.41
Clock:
11.31.54
